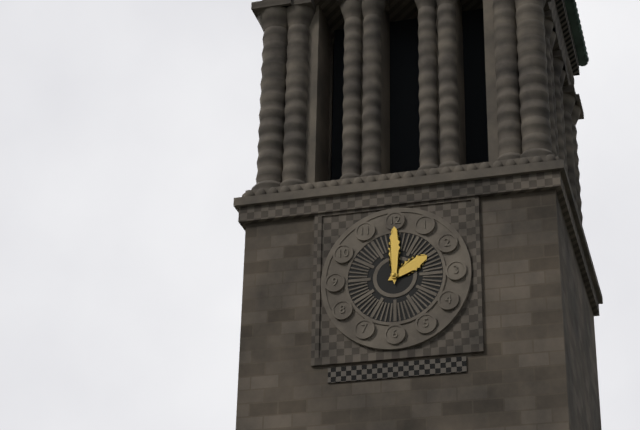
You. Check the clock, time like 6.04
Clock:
2.00
